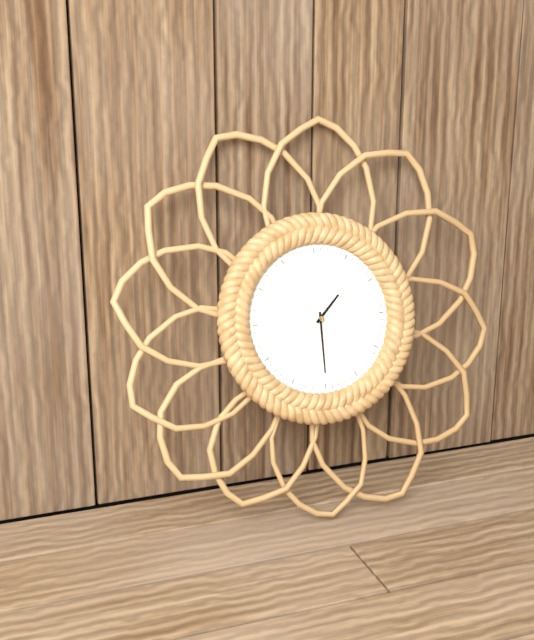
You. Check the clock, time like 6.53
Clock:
1.30
